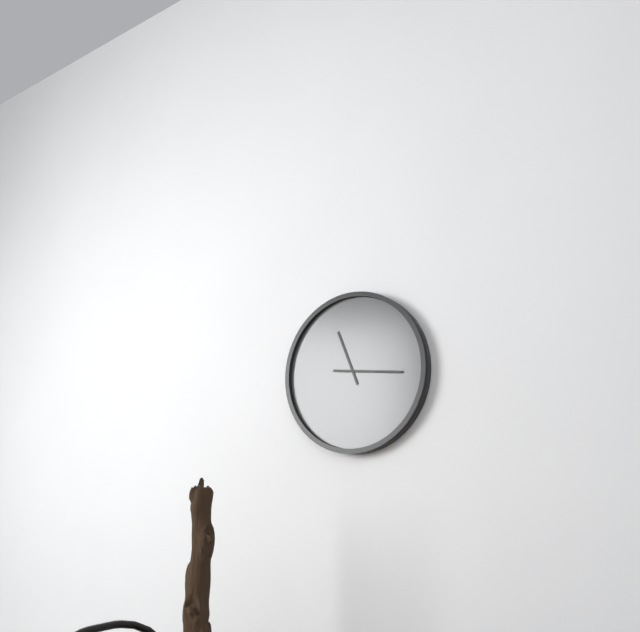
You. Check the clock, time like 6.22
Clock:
11.16
